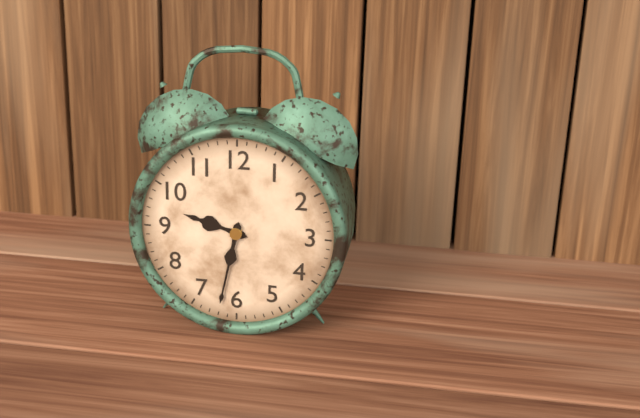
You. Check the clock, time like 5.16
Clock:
9.32
